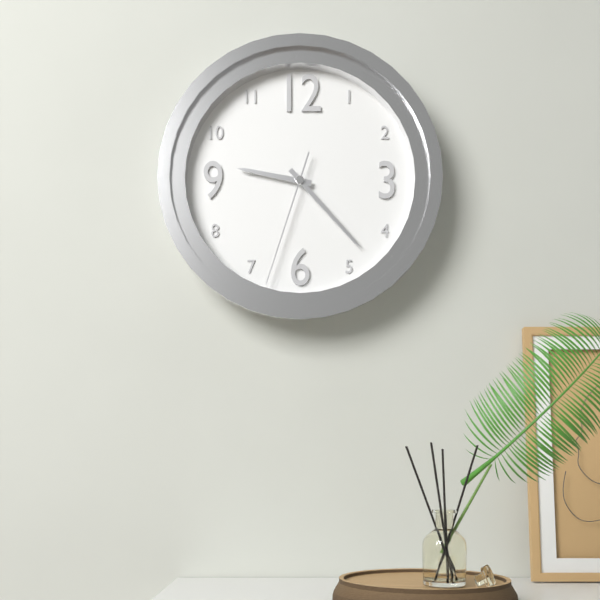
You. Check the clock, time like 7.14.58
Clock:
9.23.33
